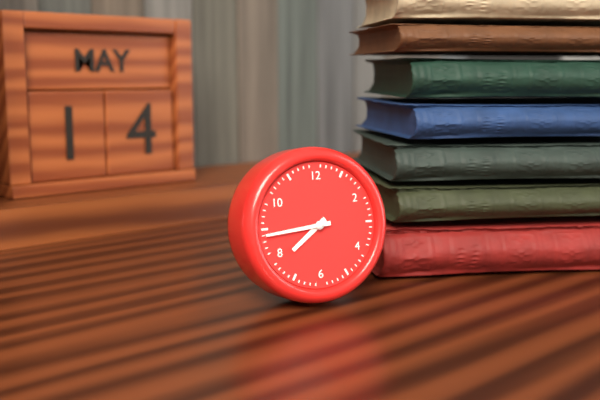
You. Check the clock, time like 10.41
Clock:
7.44
